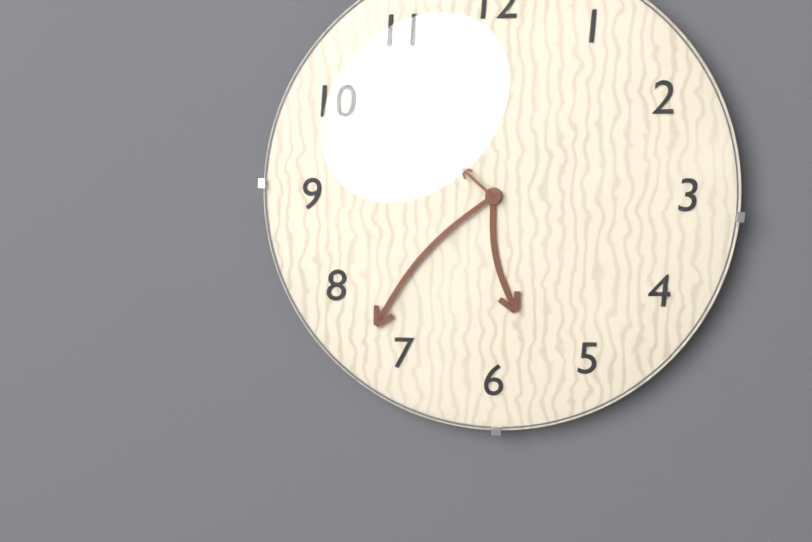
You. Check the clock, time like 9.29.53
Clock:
5.37.52
